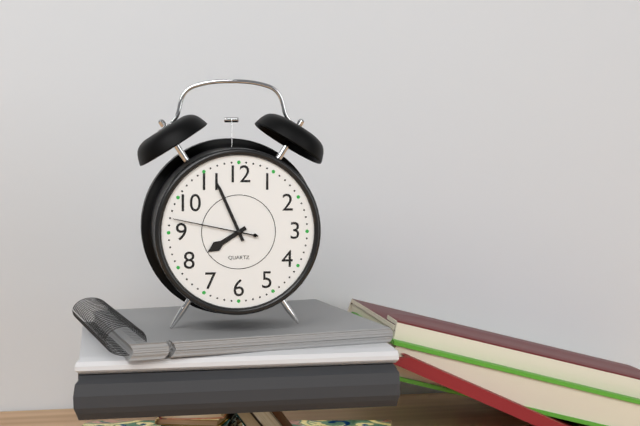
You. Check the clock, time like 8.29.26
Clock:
7.56.47
